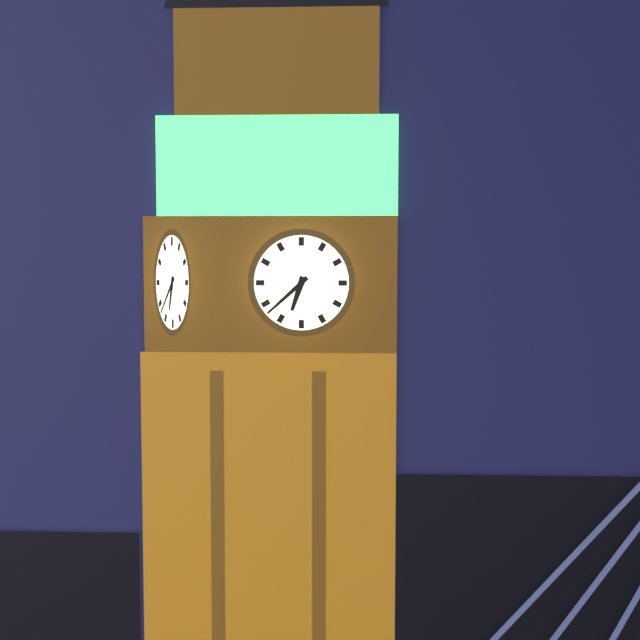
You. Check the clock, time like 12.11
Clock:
6.38
